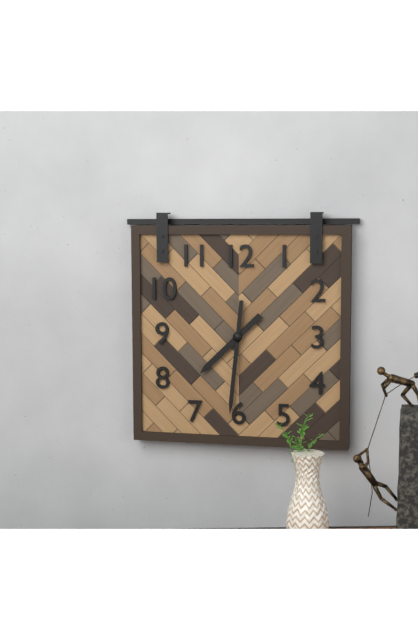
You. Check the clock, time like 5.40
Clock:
7.31
